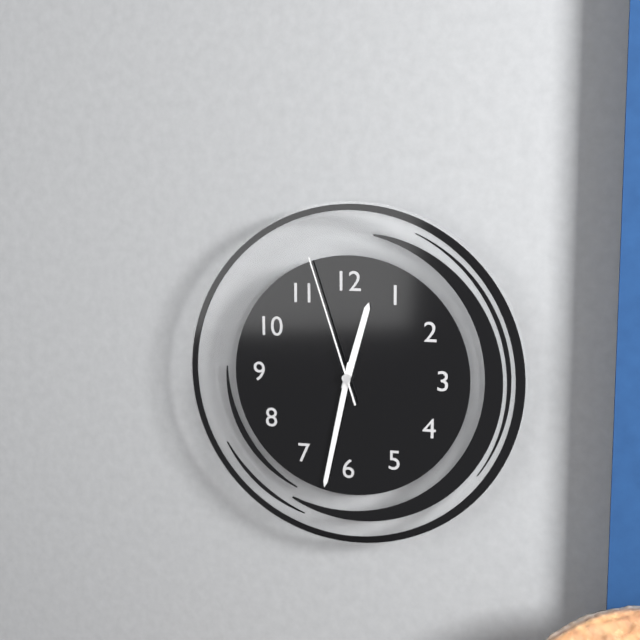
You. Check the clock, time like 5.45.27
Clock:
12.32.57
